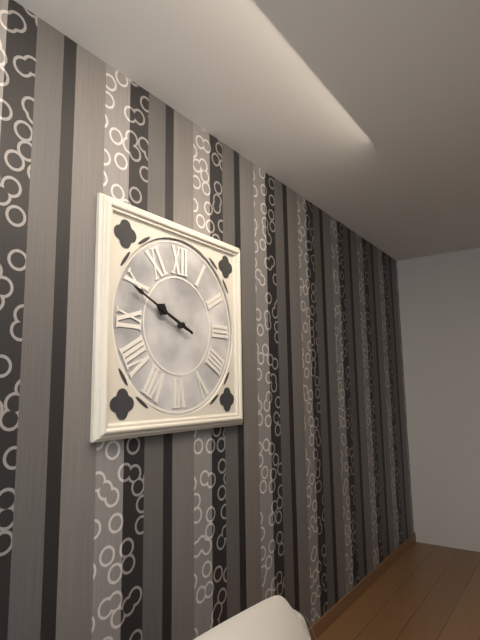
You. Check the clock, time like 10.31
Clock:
9.49
